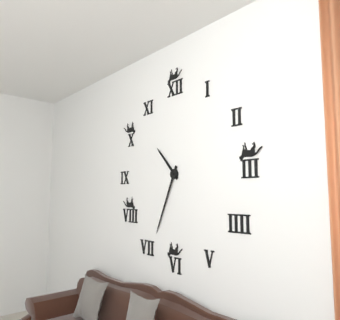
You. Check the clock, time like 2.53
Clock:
10.34
